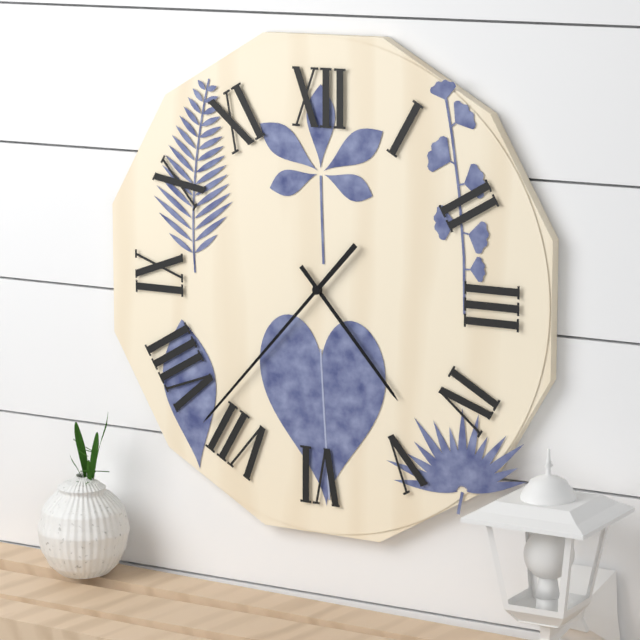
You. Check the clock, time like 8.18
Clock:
4.37
